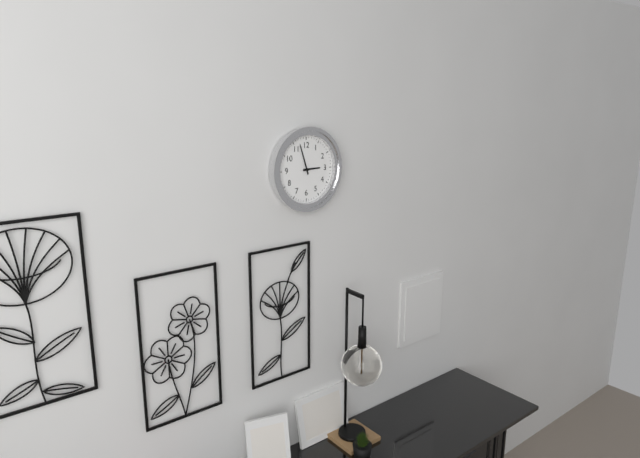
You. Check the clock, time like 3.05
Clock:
2.57
